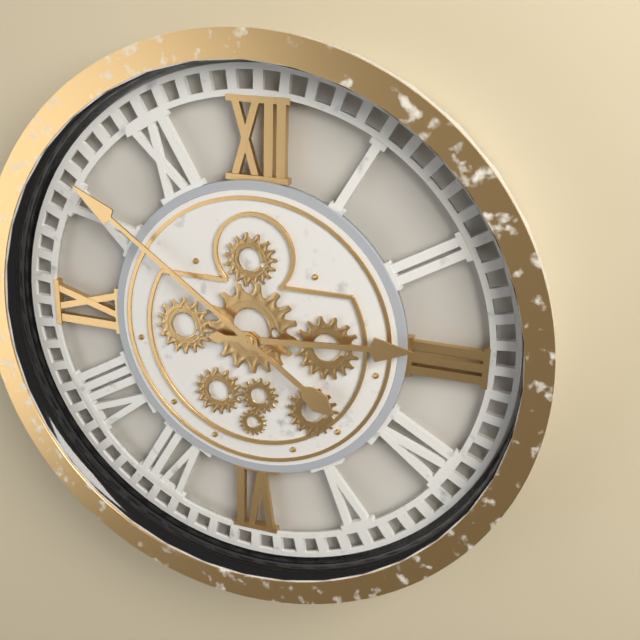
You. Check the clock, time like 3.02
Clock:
2.51
